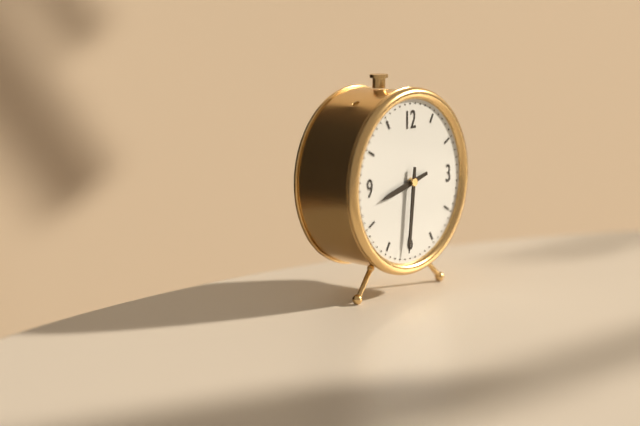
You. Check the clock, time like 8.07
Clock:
8.31
